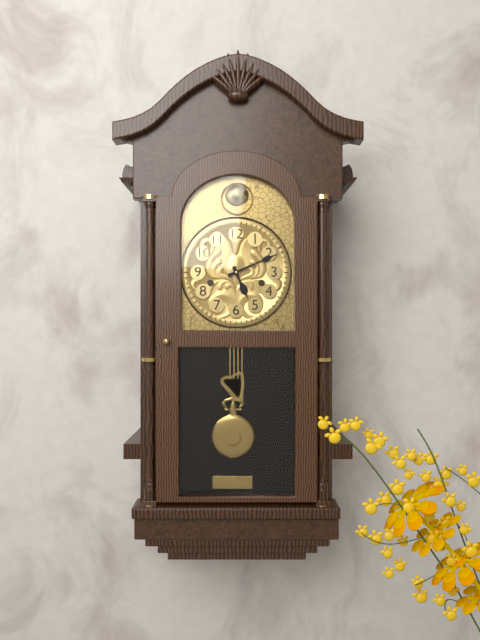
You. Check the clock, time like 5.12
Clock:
5.11
